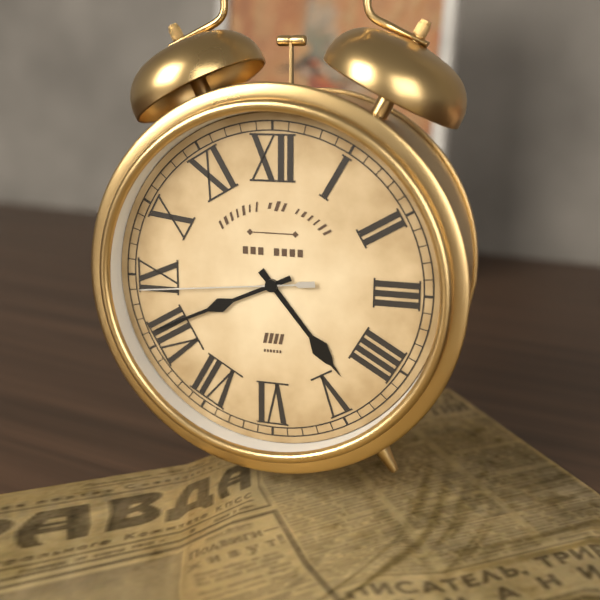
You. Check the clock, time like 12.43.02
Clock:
4.41.44
